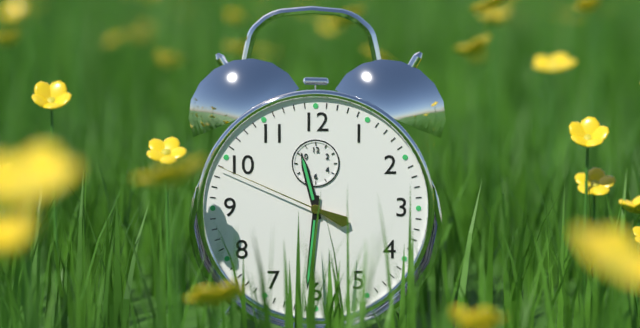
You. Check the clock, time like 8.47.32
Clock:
11.31.49
